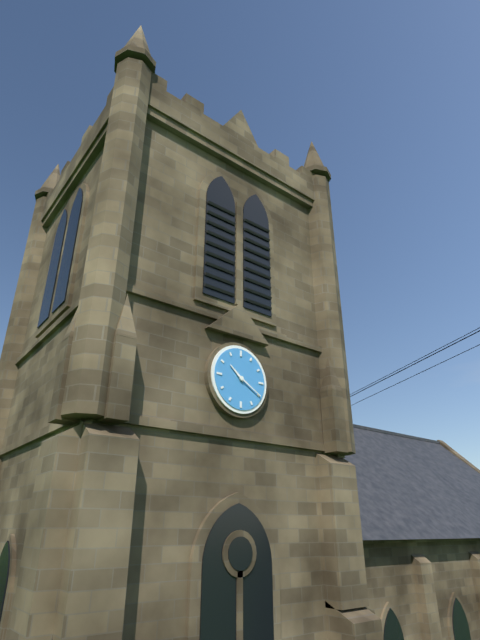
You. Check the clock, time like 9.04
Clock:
10.20
